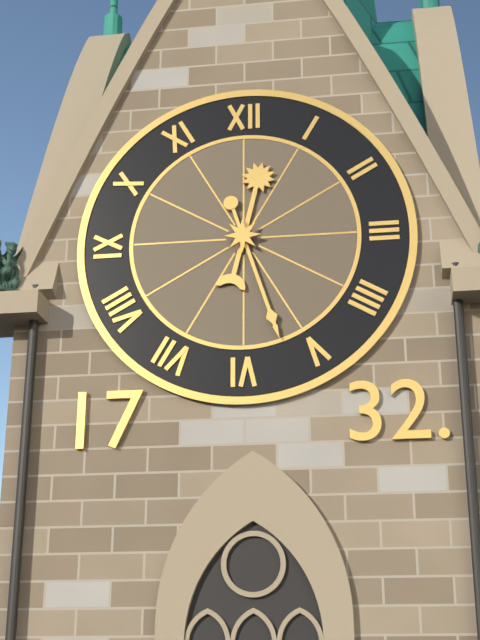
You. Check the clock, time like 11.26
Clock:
12.27
